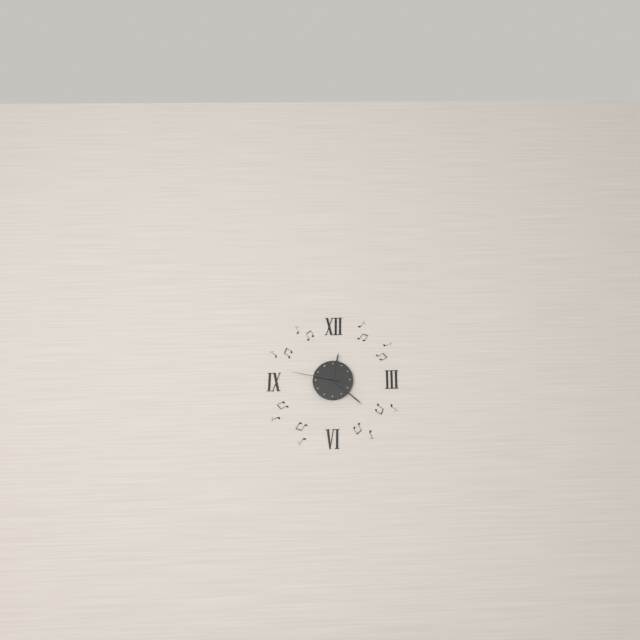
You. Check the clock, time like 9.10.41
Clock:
12.22.47
